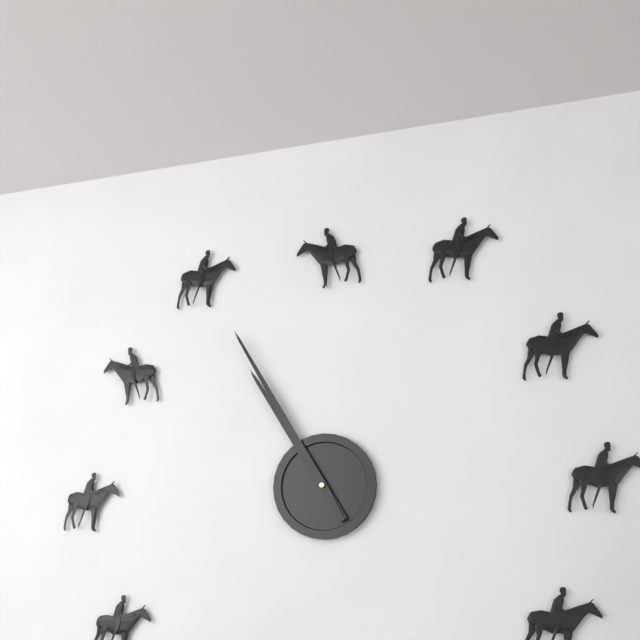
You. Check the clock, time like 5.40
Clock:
10.55
